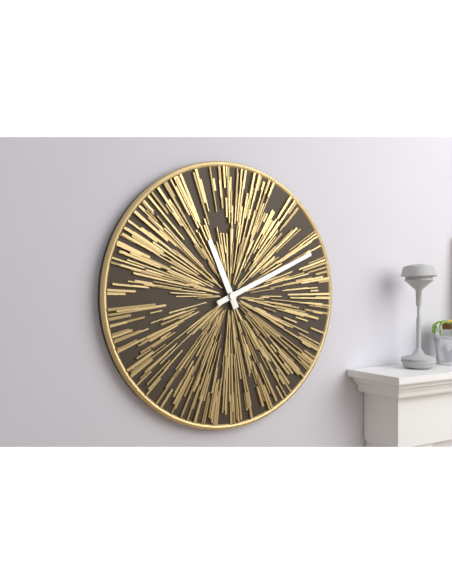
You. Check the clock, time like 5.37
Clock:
11.11
